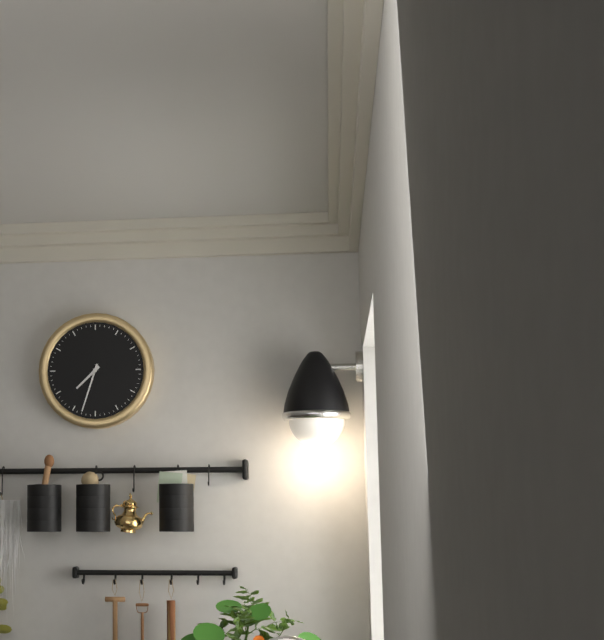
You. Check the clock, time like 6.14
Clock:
7.33
